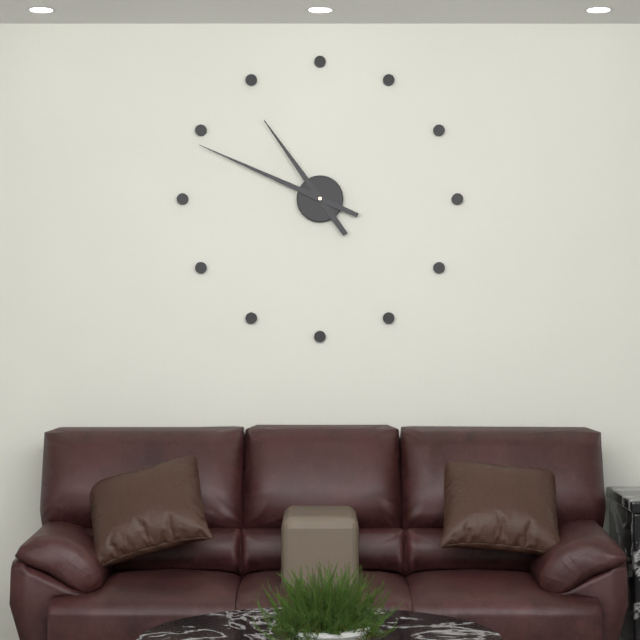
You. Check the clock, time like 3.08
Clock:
10.49
